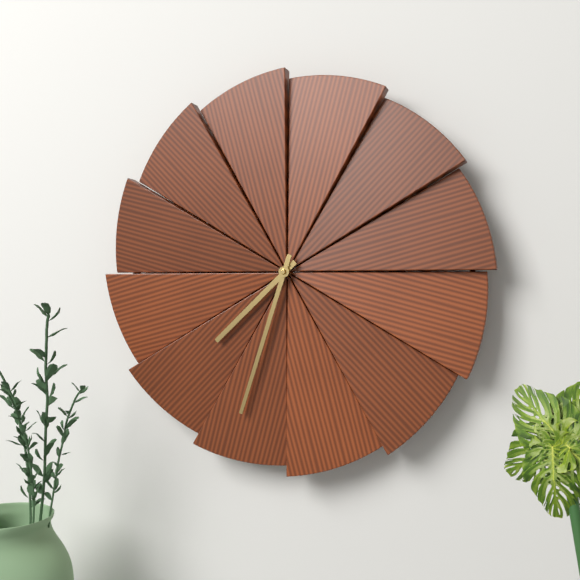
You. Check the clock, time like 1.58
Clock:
7.33
